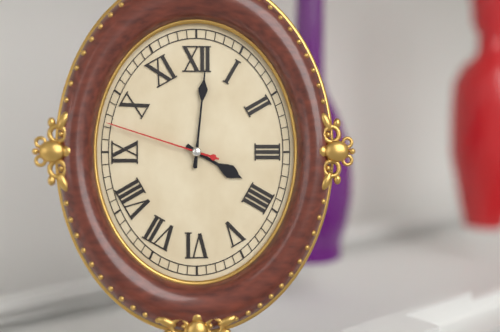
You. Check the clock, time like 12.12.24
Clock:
4.01.48
